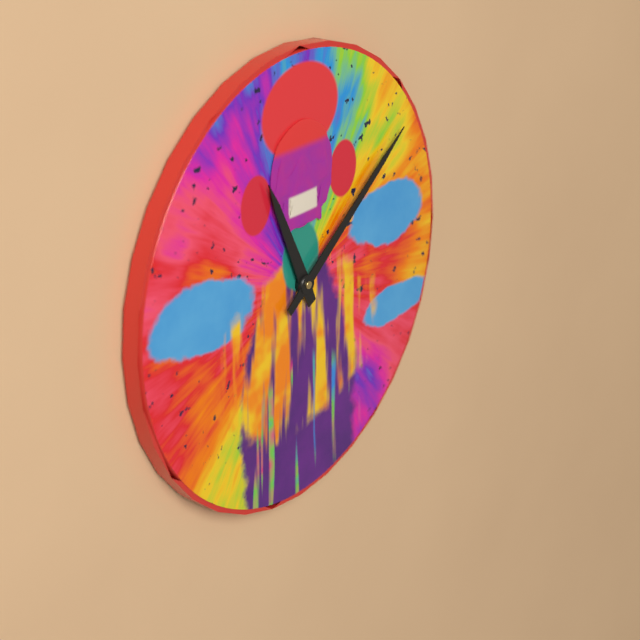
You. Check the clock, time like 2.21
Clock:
11.09
